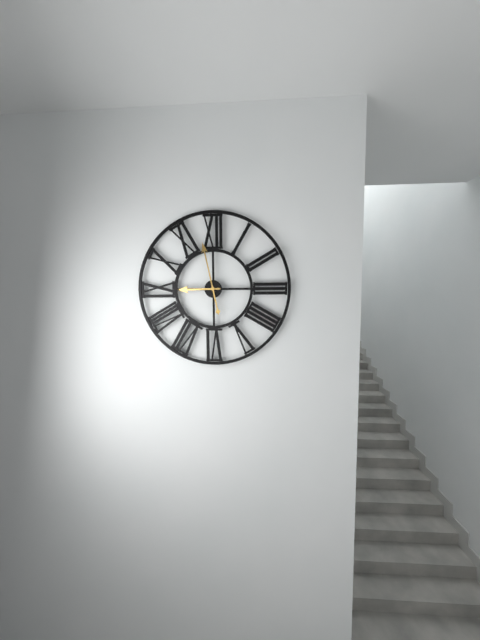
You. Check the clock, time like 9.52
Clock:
8.58
